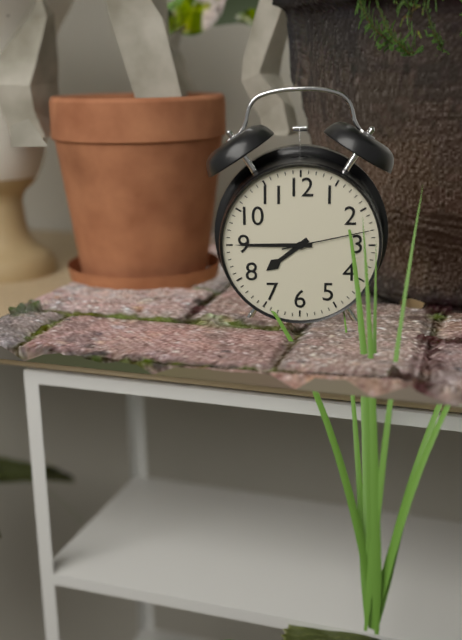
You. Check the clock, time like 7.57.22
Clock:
7.45.13
